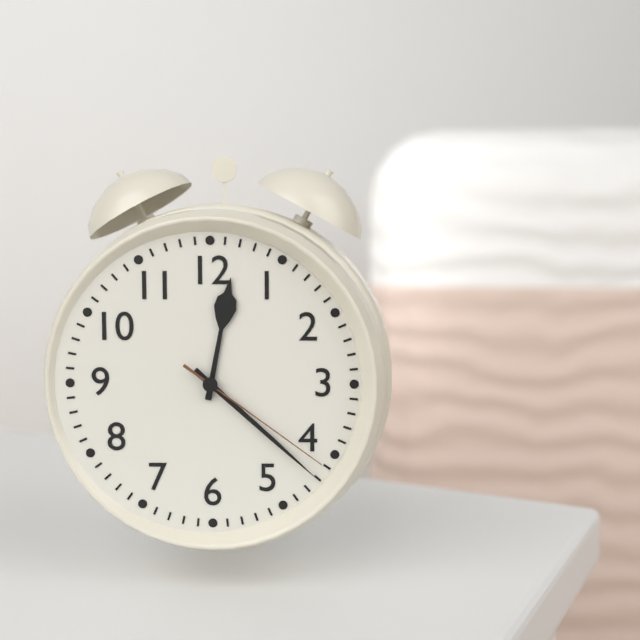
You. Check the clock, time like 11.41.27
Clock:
12.22.21
